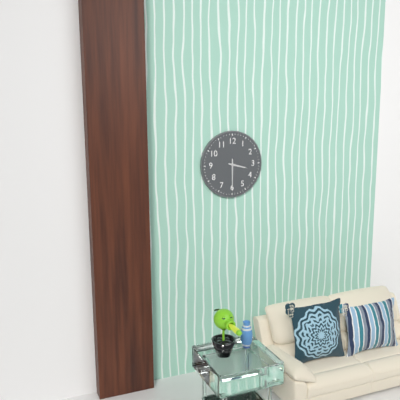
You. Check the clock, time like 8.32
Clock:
3.30
